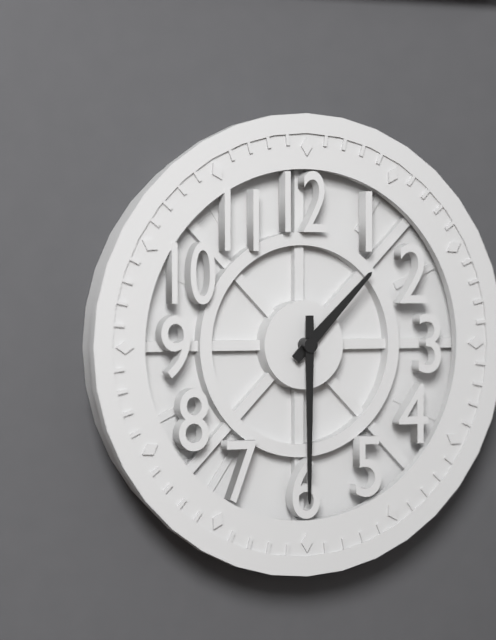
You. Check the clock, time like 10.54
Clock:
1.30
